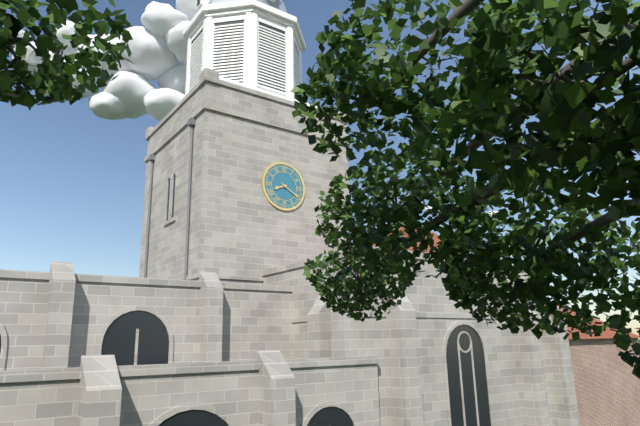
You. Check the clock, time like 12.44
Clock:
8.20
